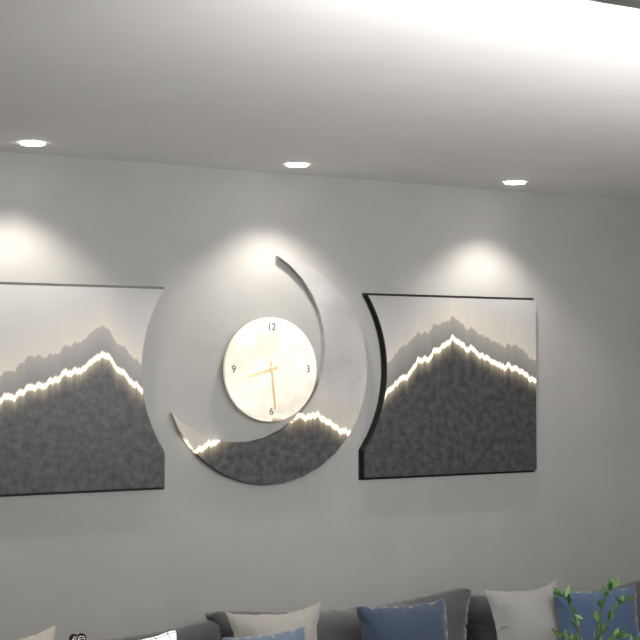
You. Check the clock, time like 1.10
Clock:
8.29
